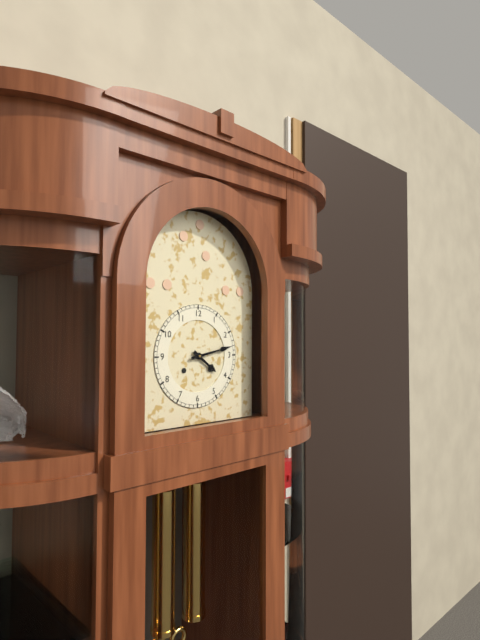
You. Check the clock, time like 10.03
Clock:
4.13
